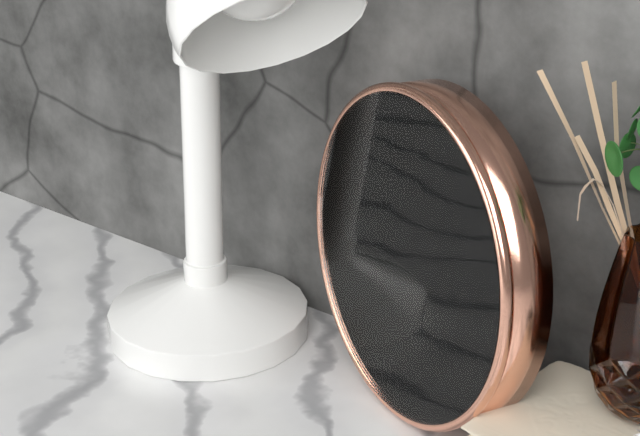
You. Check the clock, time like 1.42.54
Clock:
1.19.14
